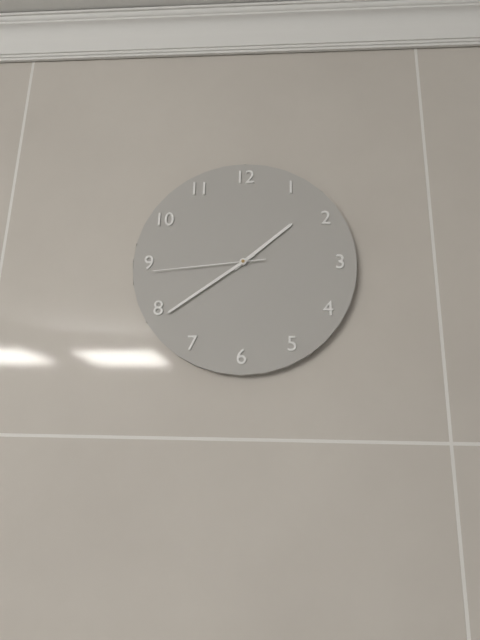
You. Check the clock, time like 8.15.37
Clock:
1.39.44
